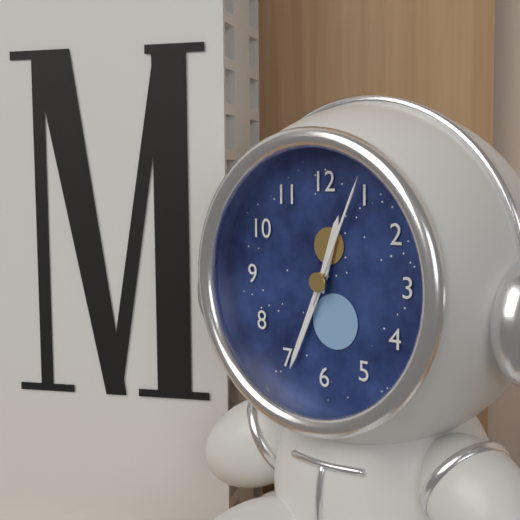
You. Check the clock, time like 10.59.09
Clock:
12.34.04
